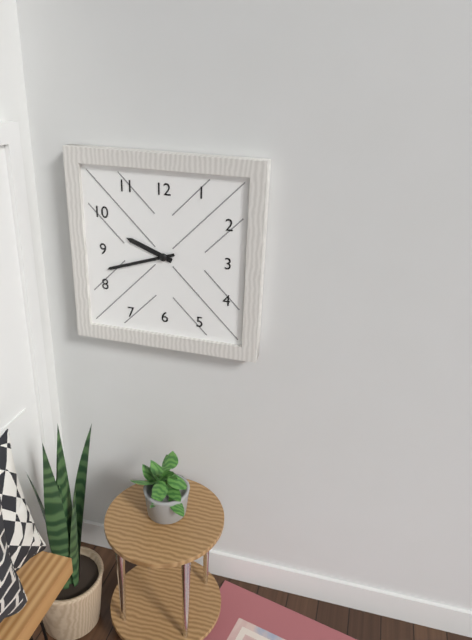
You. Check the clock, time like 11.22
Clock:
9.42
